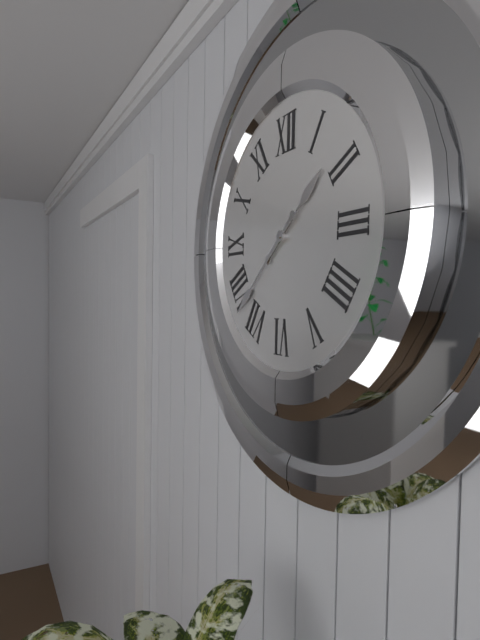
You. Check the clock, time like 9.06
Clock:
1.38
